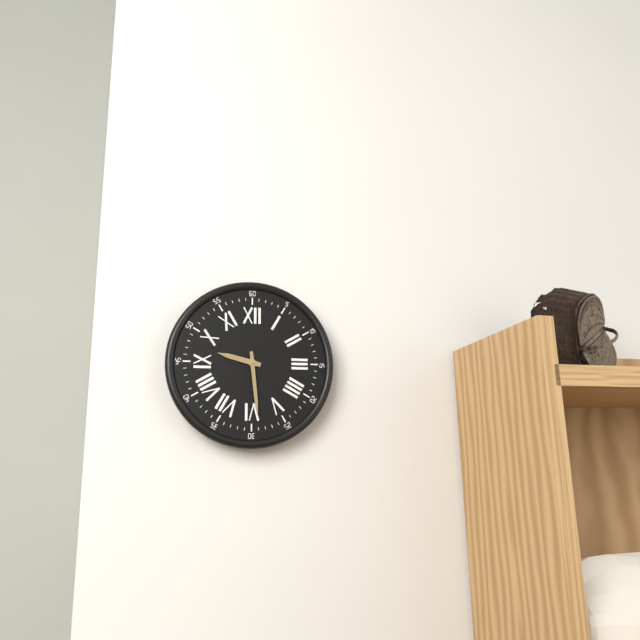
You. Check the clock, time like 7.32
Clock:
9.29
